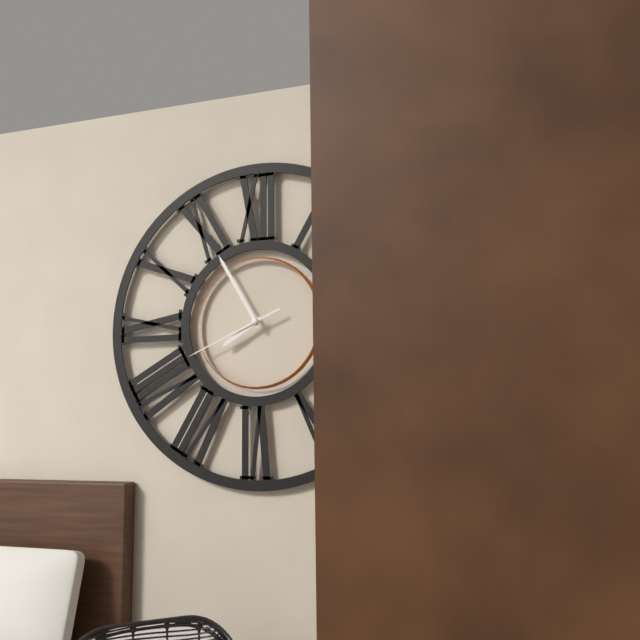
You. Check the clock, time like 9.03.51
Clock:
7.55.41
